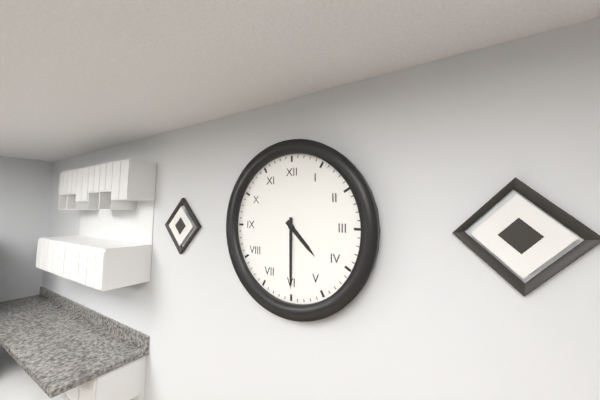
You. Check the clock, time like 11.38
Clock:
4.30
